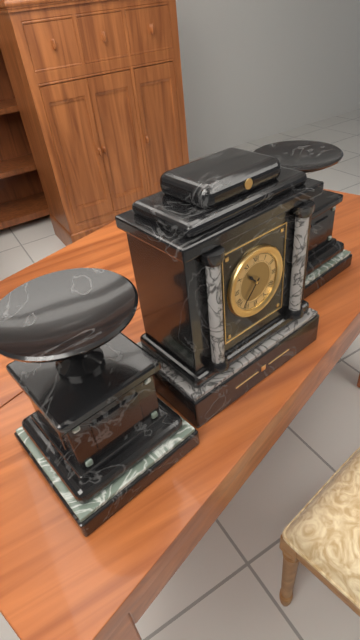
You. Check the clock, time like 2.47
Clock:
10.37
